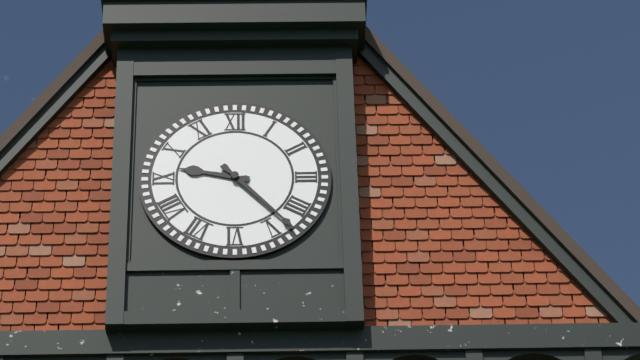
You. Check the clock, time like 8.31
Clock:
9.23
